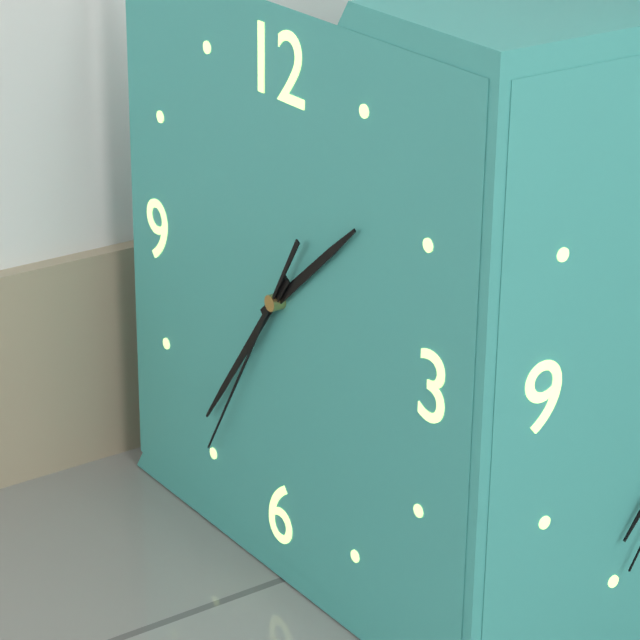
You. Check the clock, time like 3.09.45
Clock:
1.36.35
